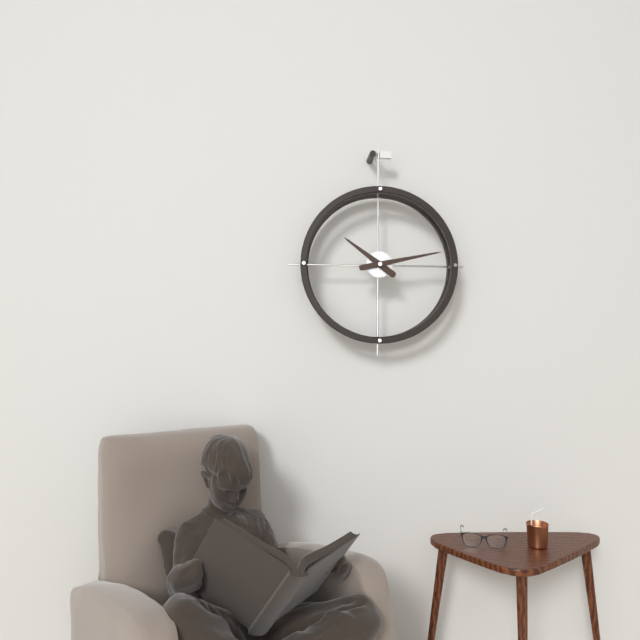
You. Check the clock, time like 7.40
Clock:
10.13
